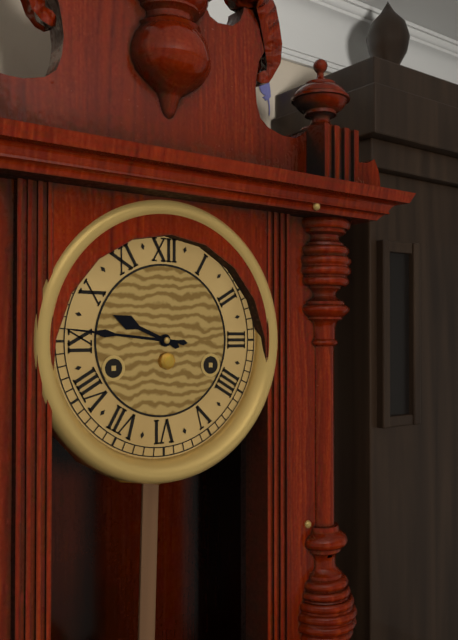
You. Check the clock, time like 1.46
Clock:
9.46
